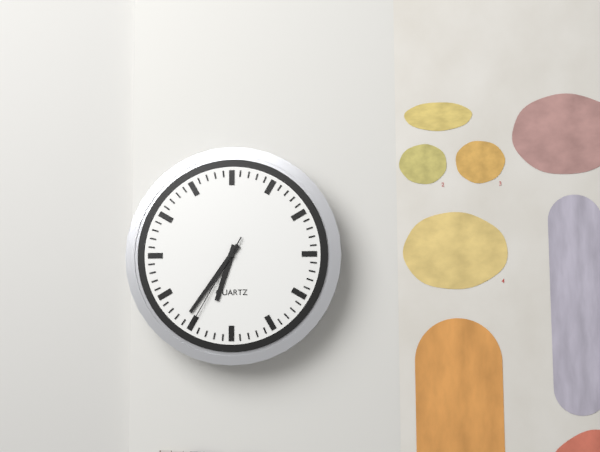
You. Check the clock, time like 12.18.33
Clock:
6.36.35
